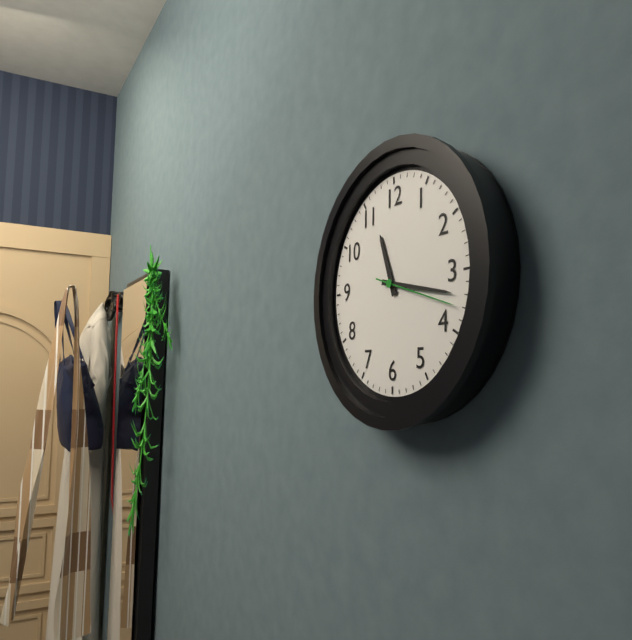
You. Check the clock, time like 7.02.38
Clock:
11.17.18
